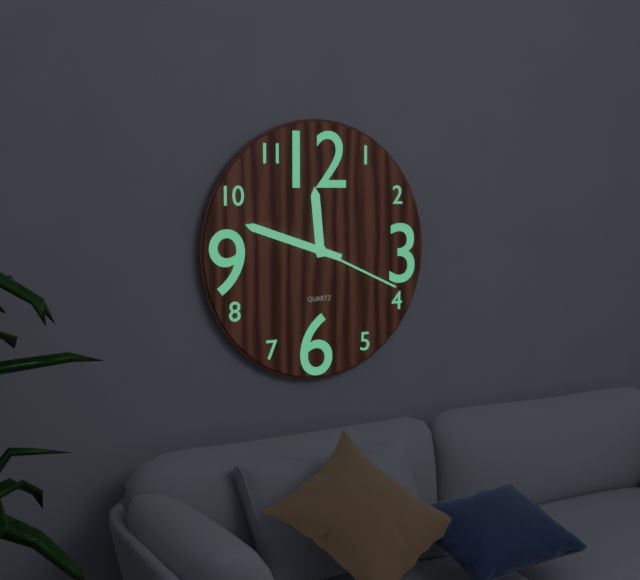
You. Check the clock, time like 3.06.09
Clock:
11.48.19
